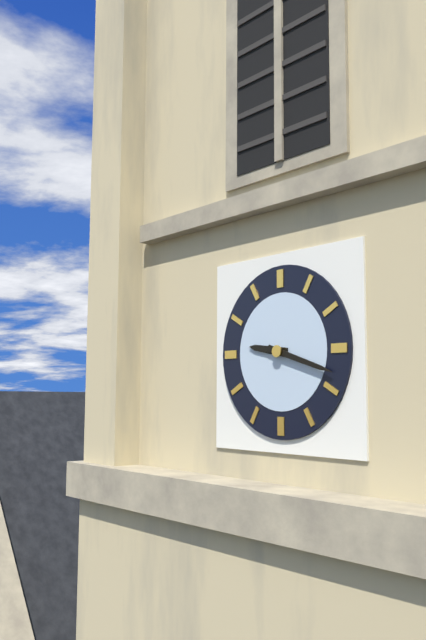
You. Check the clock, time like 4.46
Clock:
9.18
